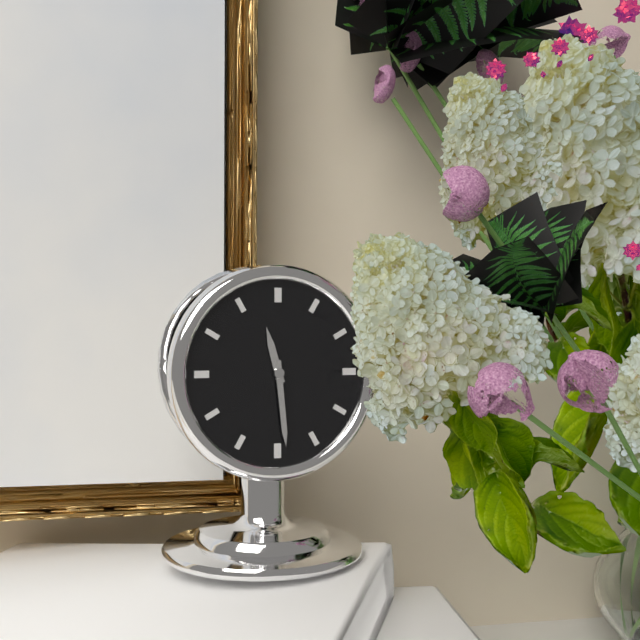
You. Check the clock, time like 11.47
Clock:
11.29
